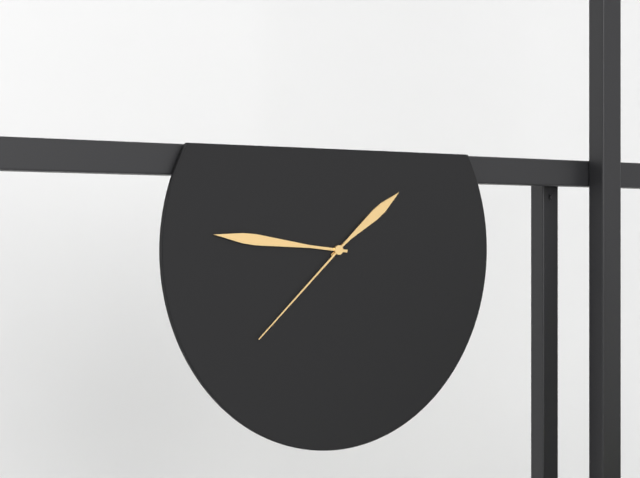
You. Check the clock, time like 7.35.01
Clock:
1.46.38
